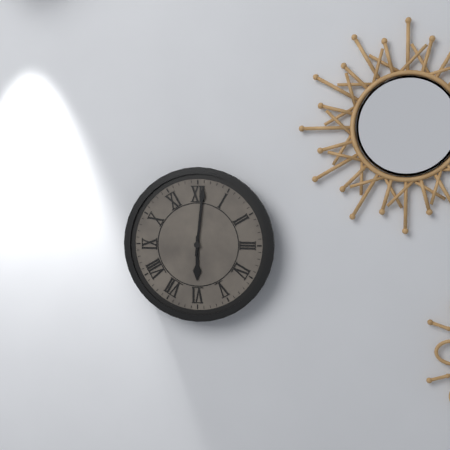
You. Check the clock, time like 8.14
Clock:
6.01
